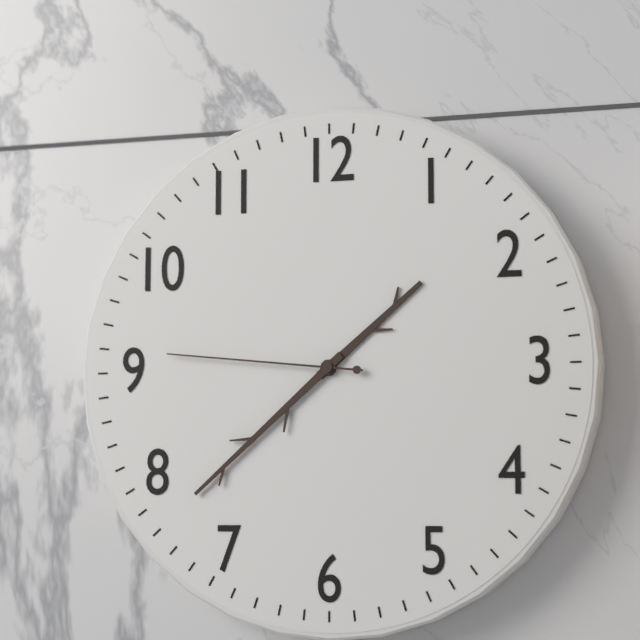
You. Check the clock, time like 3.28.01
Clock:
1.38.46
